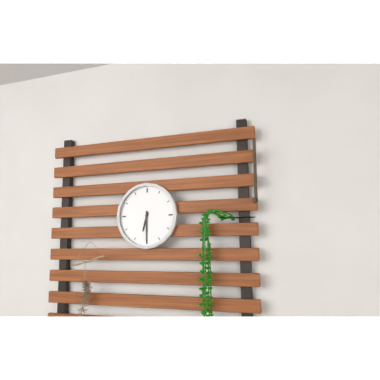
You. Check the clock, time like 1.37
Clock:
6.30
